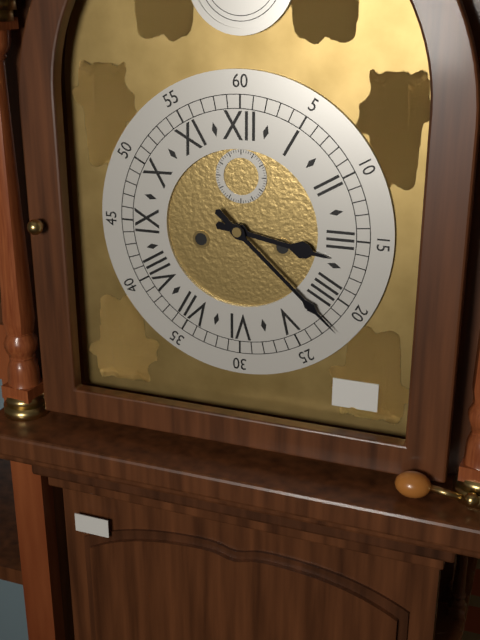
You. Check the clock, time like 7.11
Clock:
3.22
